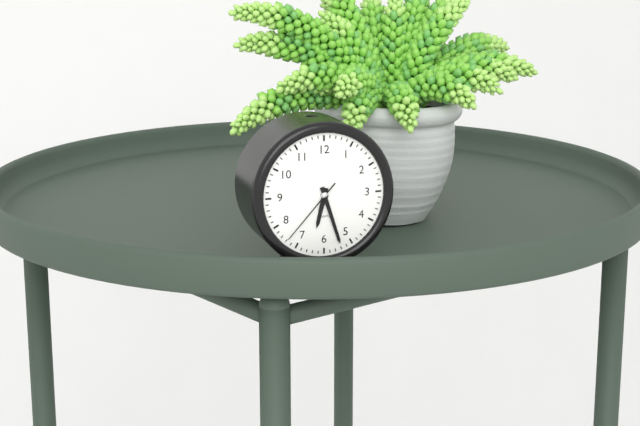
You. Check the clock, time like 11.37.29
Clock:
6.27.37
